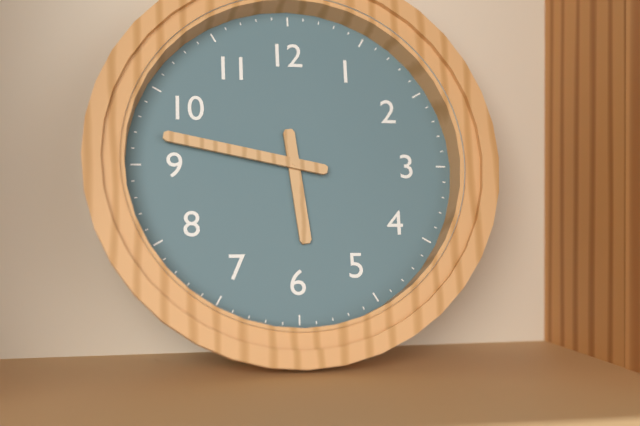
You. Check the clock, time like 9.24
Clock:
5.47
